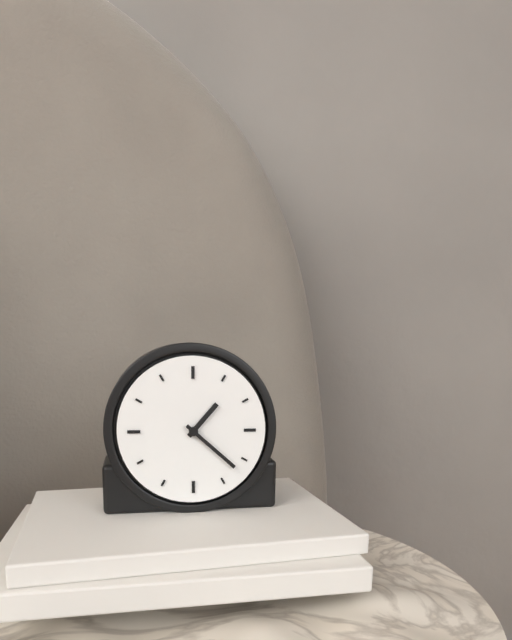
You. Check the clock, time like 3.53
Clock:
1.22
